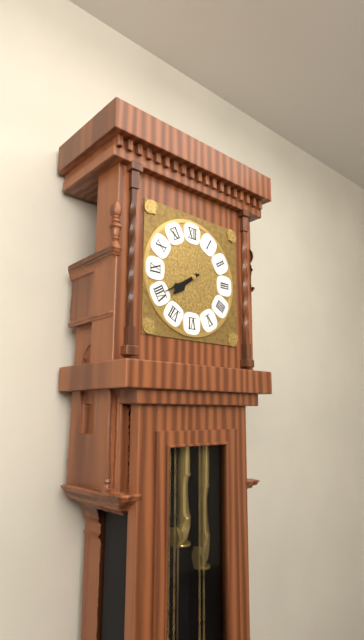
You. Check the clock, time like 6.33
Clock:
7.40
